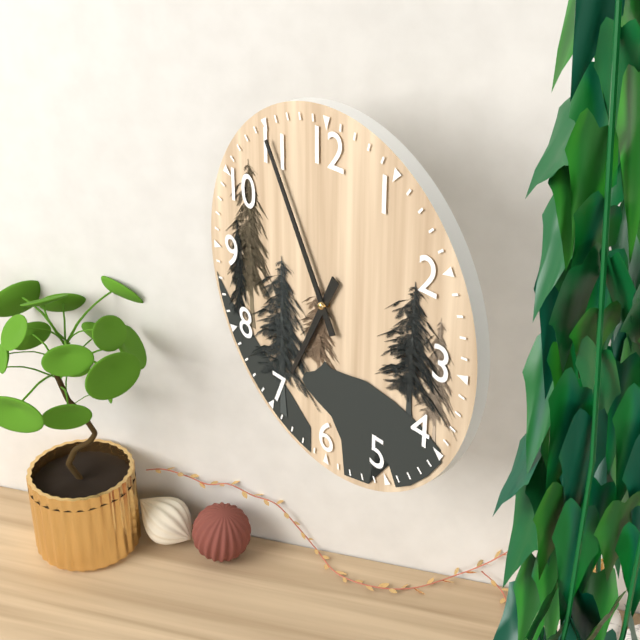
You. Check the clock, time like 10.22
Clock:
6.55
